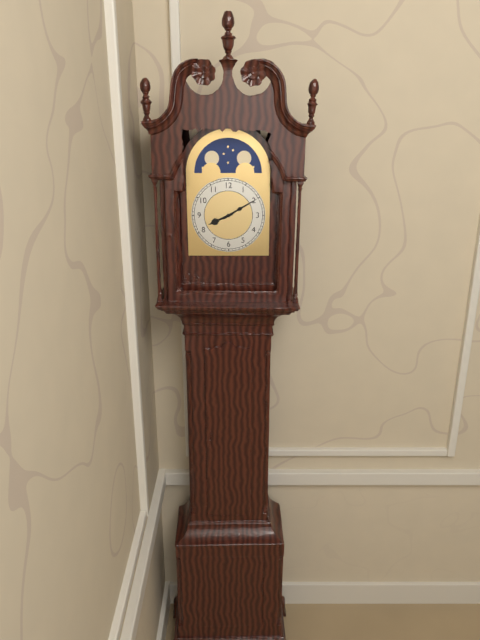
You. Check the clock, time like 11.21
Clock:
8.10
